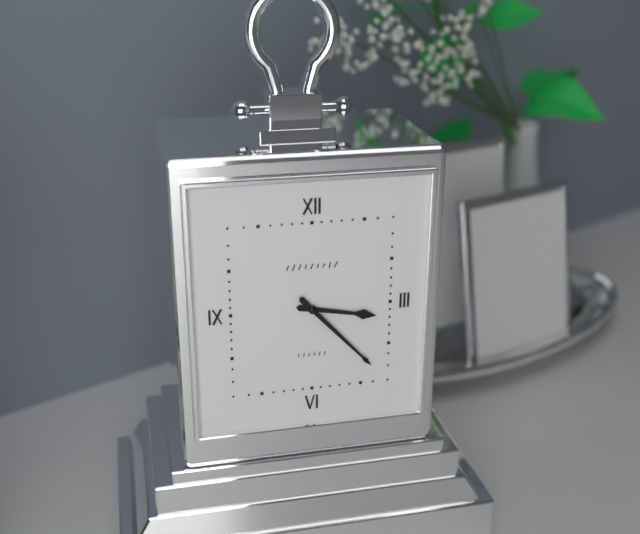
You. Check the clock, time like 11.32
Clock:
3.23
